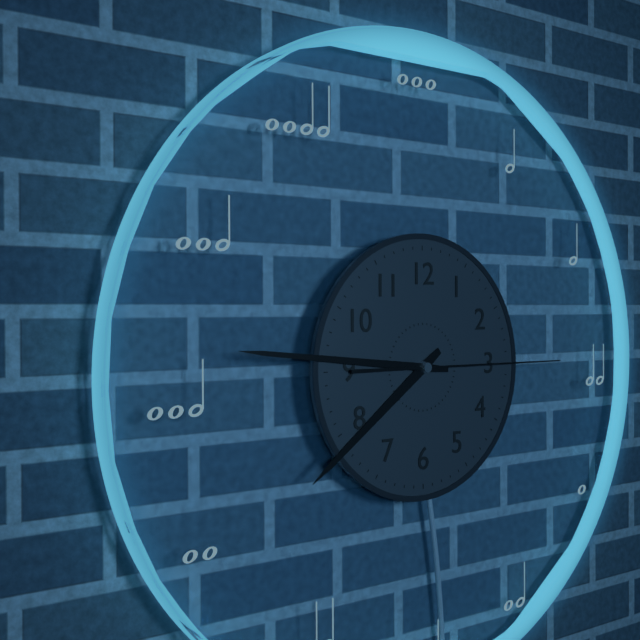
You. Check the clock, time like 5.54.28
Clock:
7.46.15
